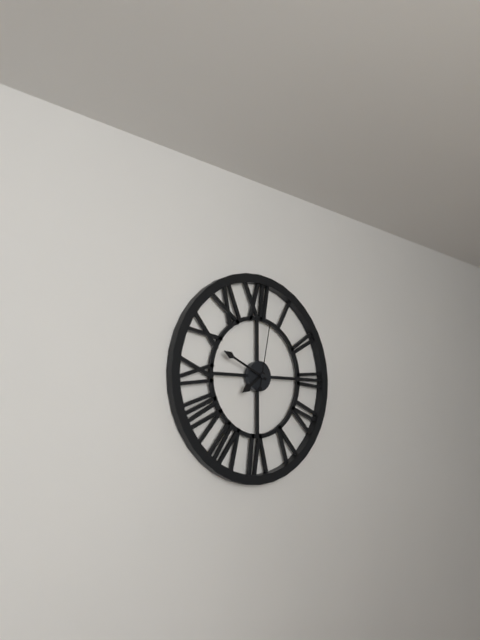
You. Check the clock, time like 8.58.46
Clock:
7.49.02
